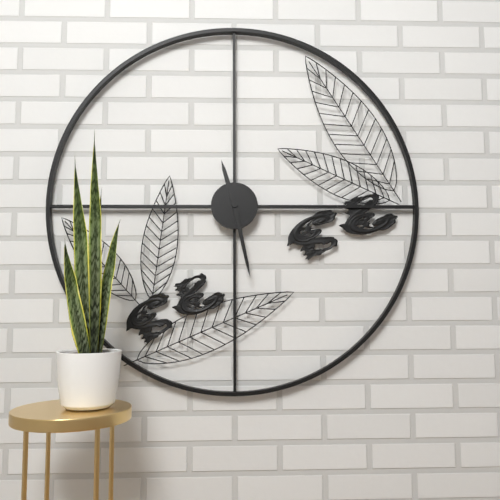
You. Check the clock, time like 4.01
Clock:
11.28
